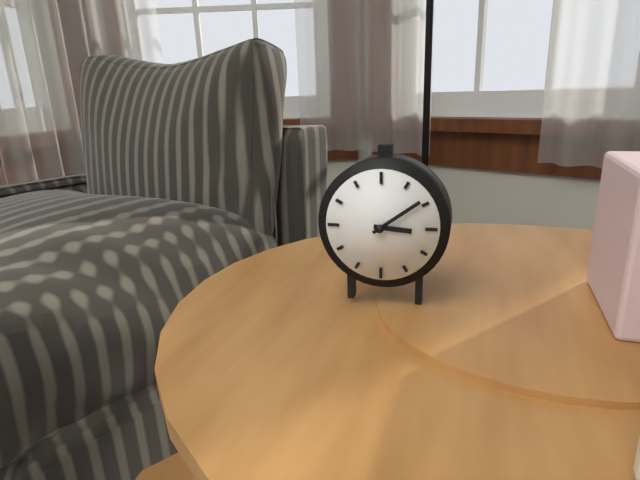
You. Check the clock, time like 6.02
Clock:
3.09
